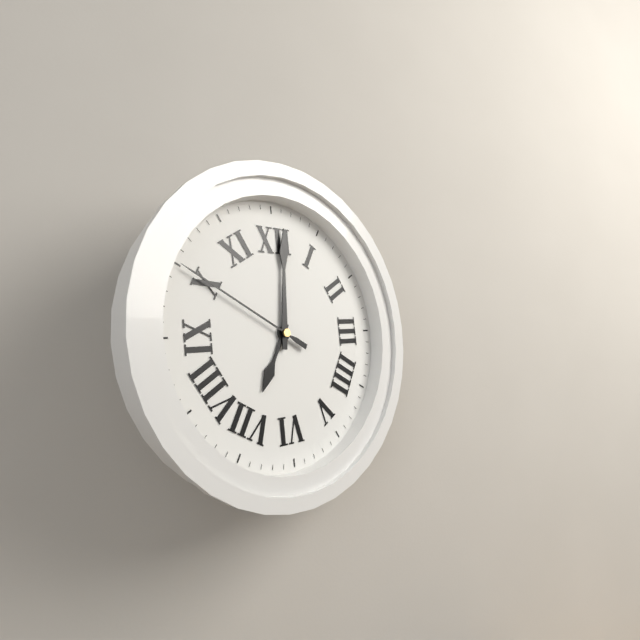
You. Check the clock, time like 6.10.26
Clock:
7.01.50
